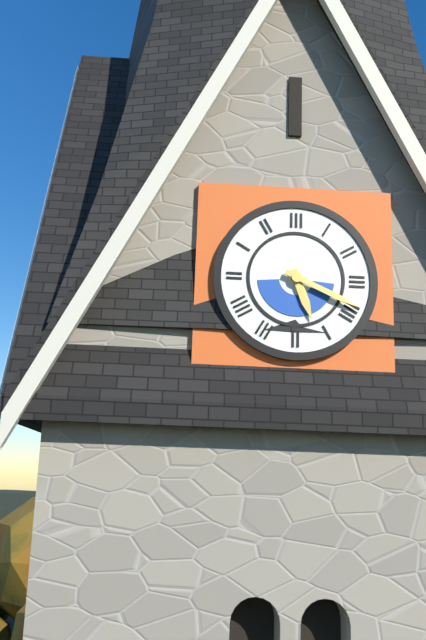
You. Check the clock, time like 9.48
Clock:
5.19
